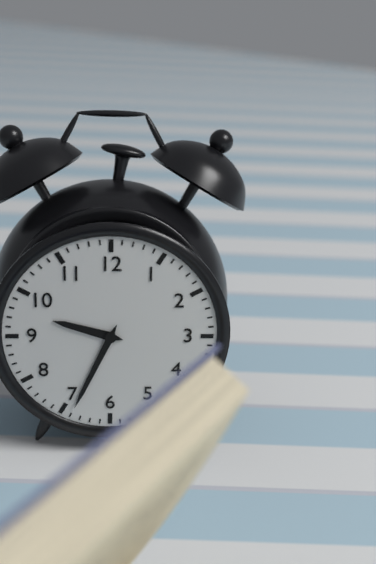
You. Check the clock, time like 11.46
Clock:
9.34
